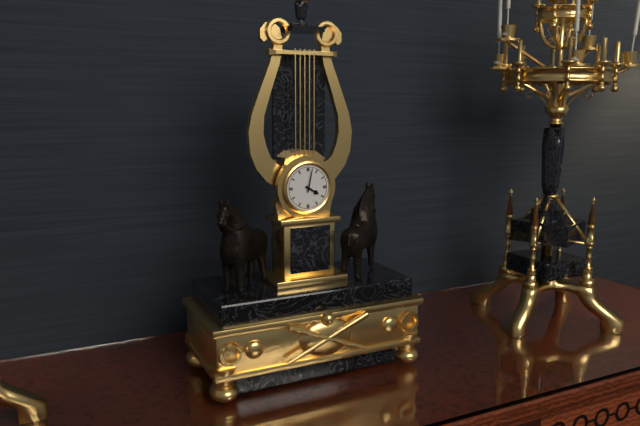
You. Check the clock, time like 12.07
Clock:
4.02
